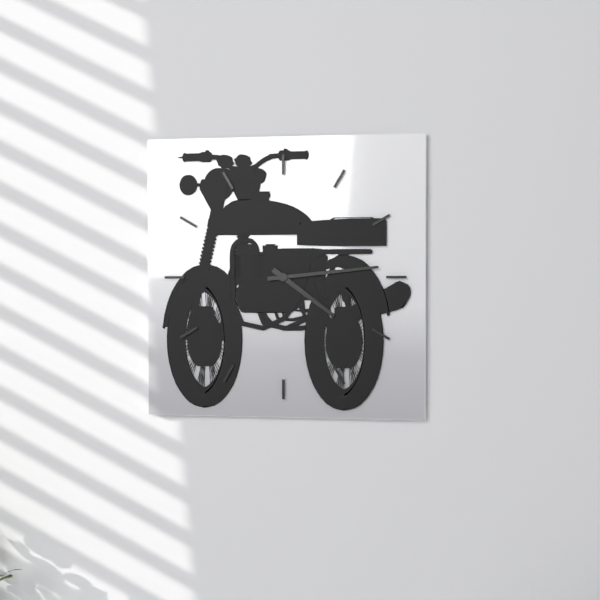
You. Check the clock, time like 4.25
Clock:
4.14
